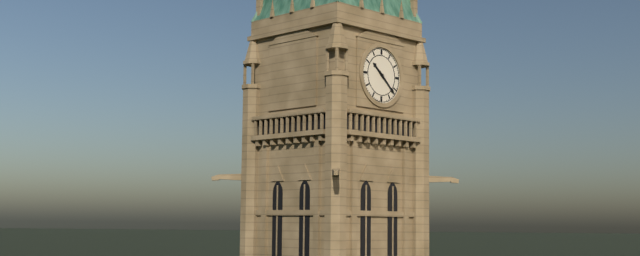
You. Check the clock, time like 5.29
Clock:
10.22
